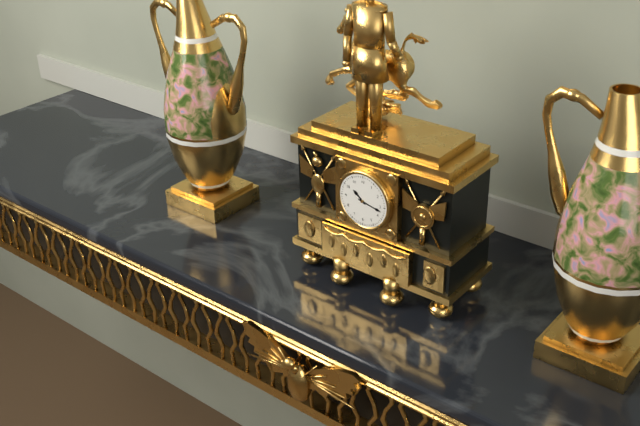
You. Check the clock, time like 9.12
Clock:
10.17
